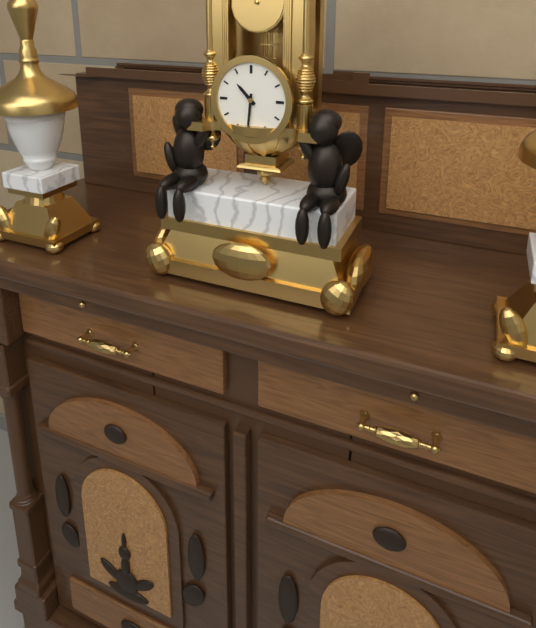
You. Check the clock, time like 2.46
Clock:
10.31
